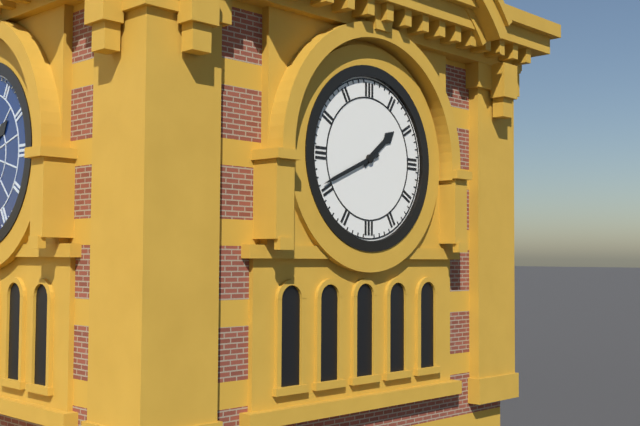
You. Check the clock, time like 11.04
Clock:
1.41
